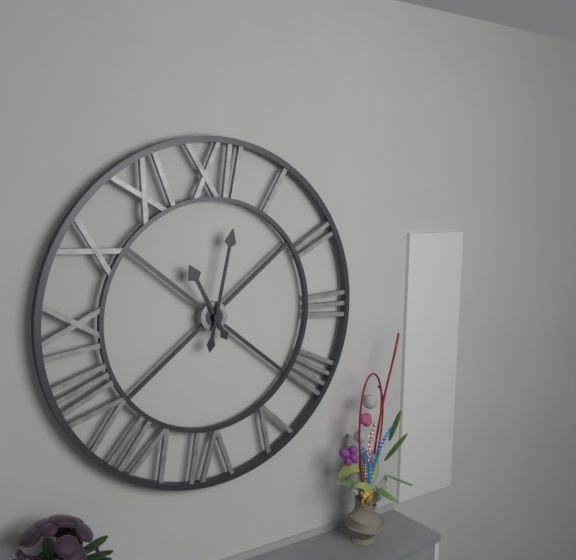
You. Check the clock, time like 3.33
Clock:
11.02
